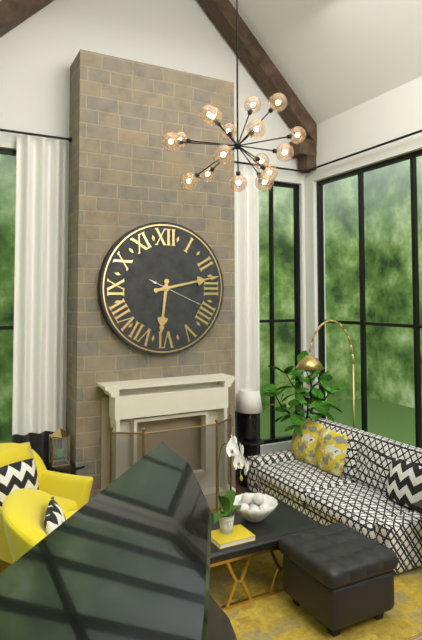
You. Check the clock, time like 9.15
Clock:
6.13
